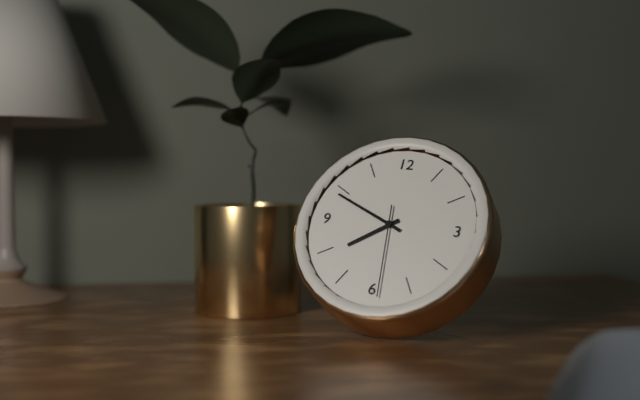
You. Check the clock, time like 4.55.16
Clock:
7.49.29
